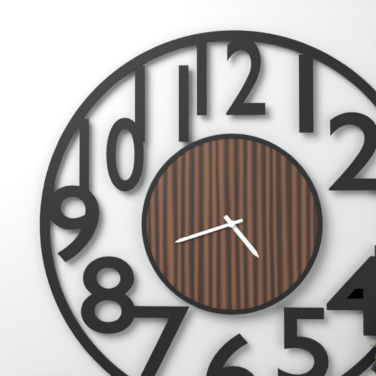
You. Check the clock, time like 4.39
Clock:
4.42
